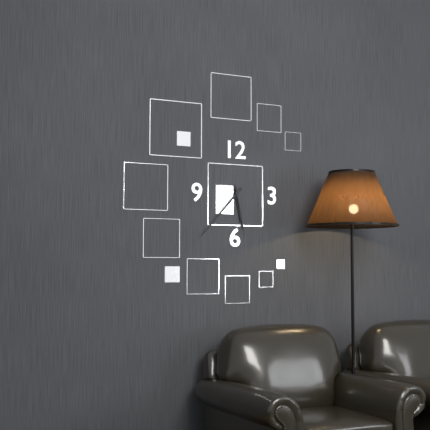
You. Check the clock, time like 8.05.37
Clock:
5.37.28
